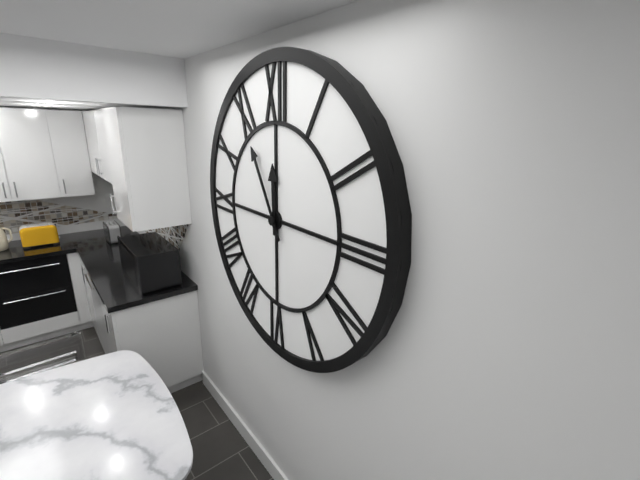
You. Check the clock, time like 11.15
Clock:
11.55
